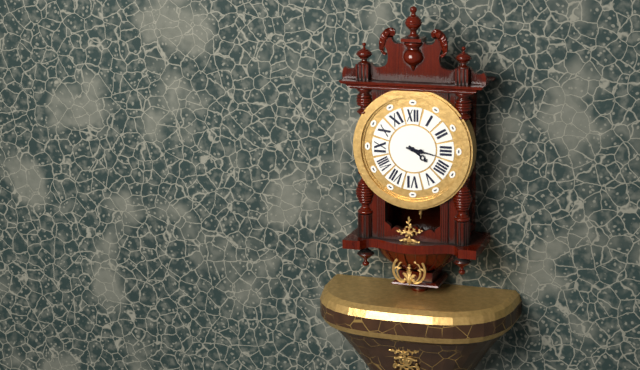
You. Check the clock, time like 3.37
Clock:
4.17
